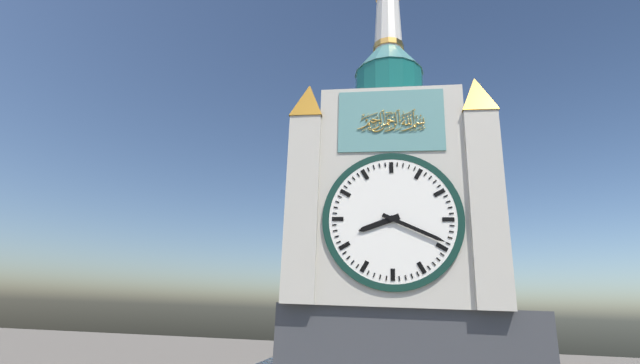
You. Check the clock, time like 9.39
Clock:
8.19
